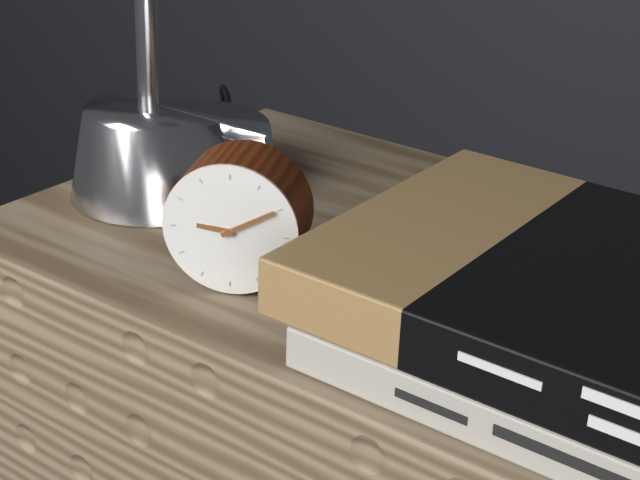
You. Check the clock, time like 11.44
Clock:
9.10
